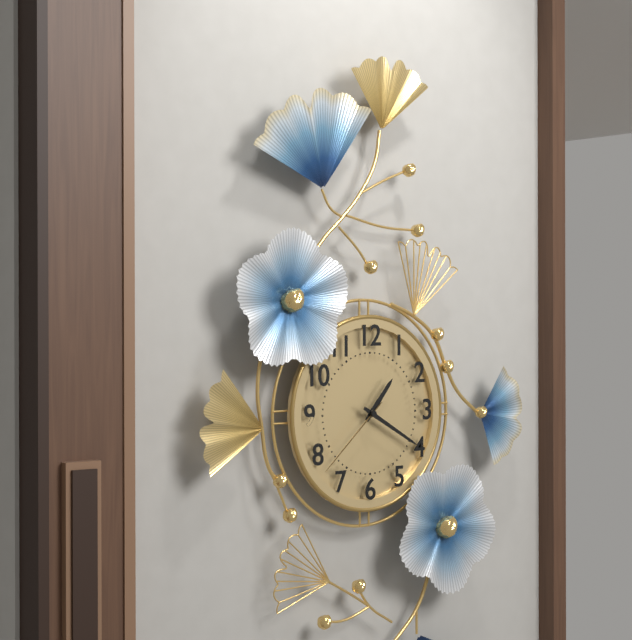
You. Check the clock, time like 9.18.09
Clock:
1.20.38
